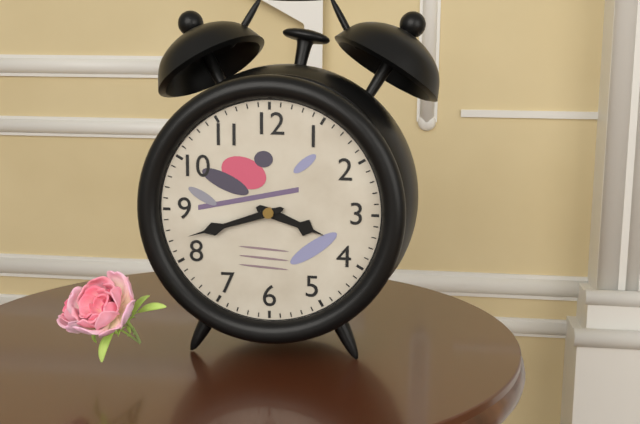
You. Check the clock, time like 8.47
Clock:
3.42
